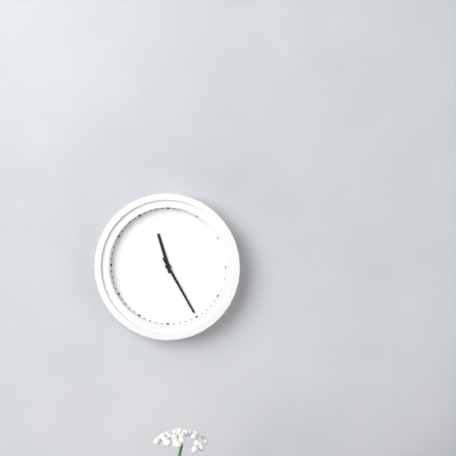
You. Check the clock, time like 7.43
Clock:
11.25
